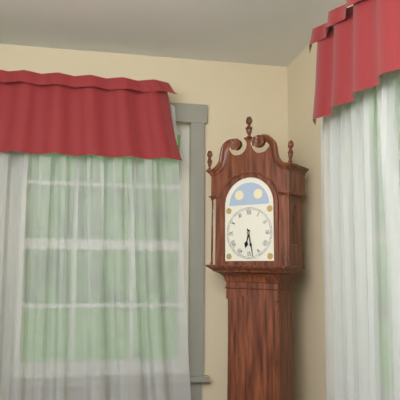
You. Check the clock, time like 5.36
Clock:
6.28
